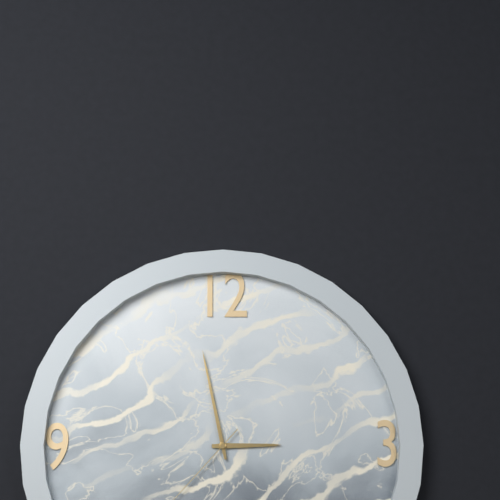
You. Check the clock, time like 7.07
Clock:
2.58
